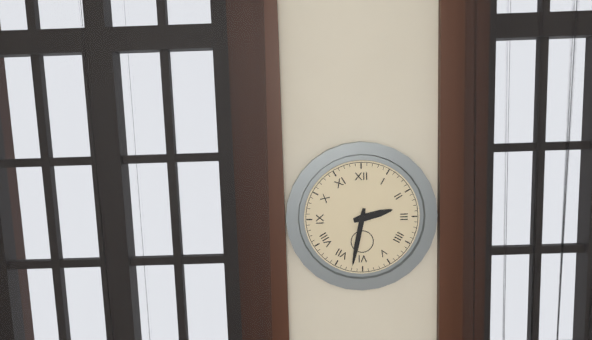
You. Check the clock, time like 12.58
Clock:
2.32
